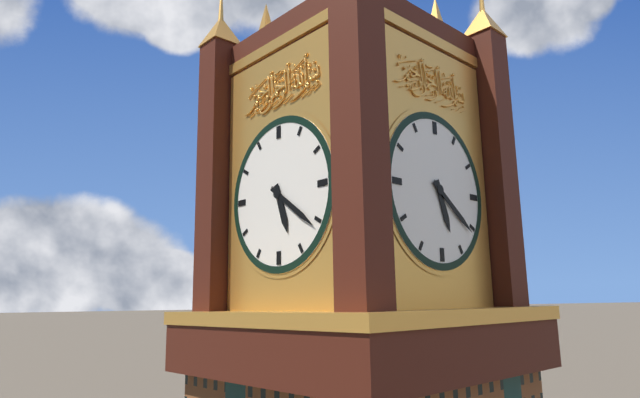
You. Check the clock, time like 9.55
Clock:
5.21
